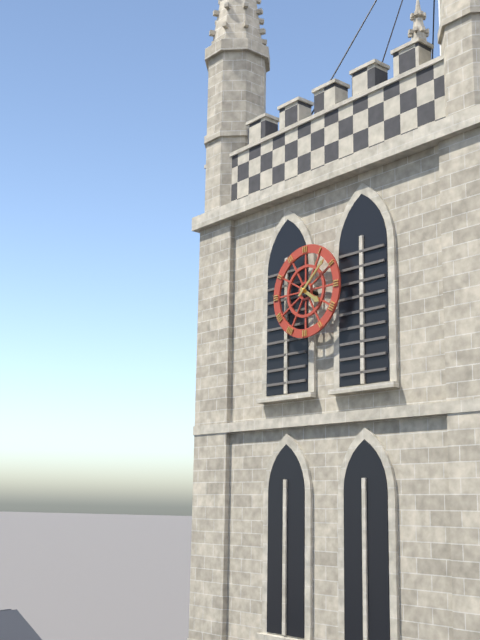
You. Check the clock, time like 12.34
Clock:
4.08
